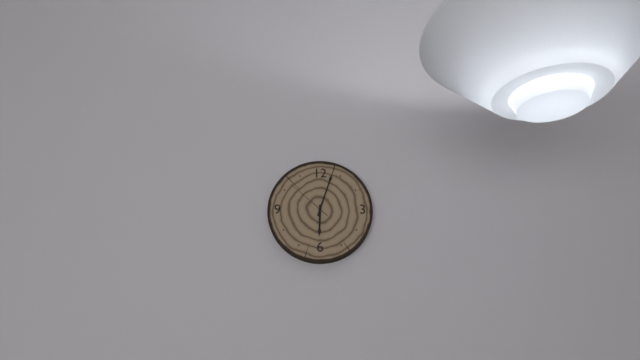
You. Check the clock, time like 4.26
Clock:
6.03
